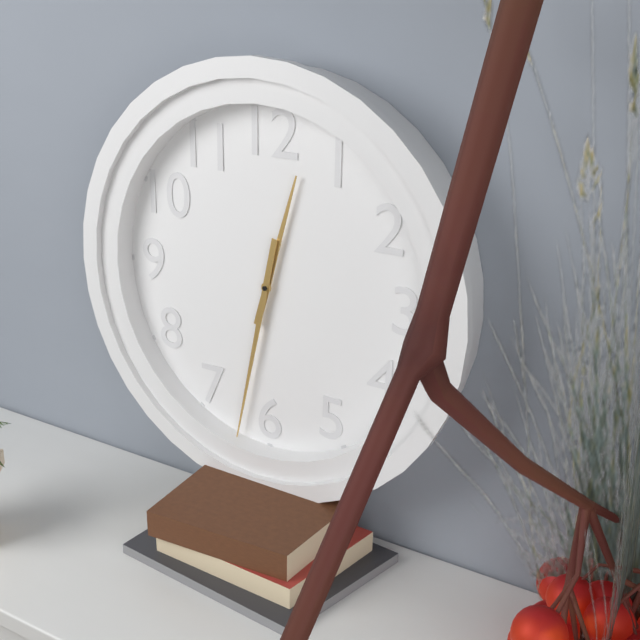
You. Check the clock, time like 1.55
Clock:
12.32
